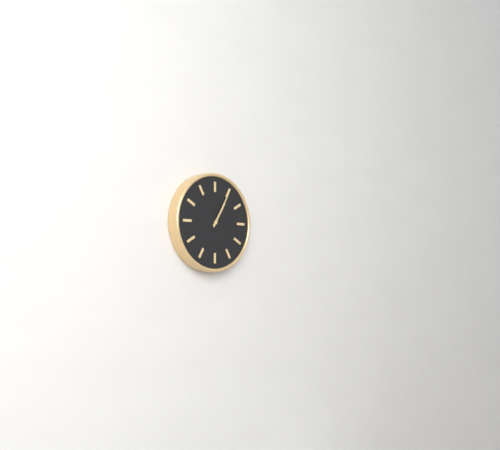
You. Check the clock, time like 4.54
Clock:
1.05
